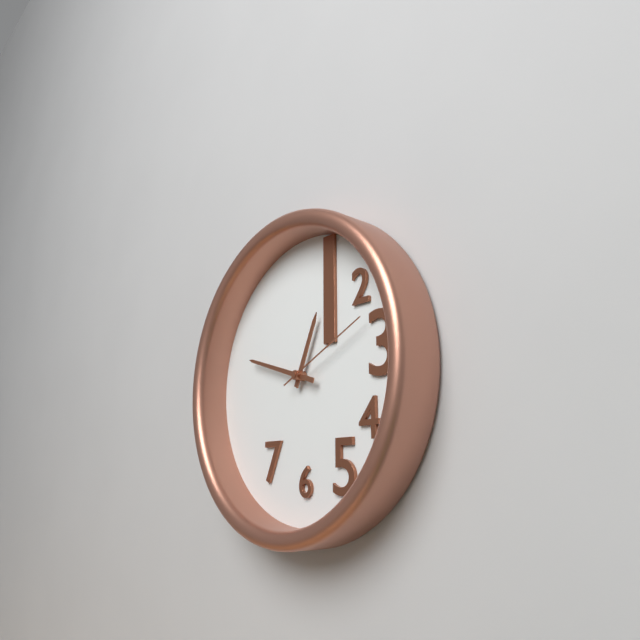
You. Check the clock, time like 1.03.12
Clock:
12.48.11
